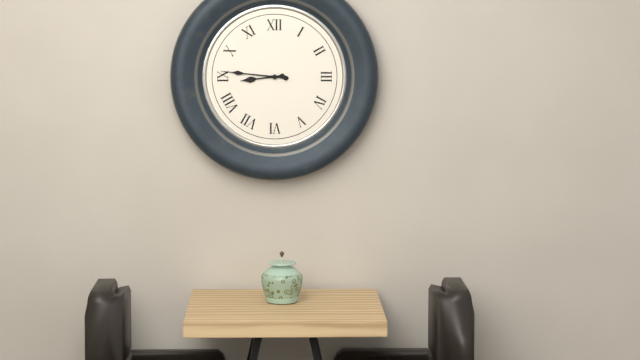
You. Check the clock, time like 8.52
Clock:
8.46
